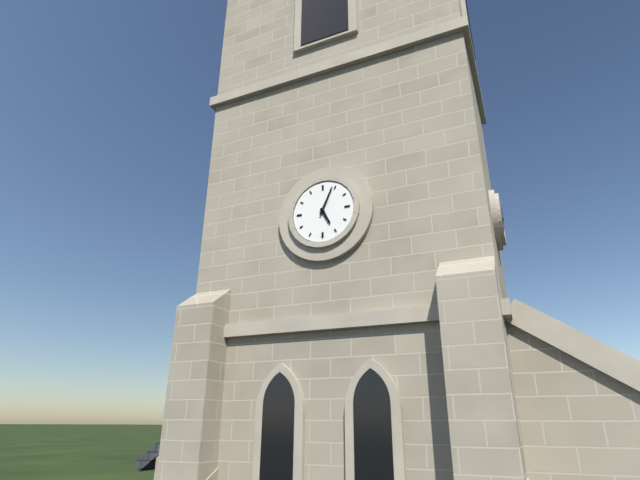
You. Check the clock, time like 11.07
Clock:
5.04
